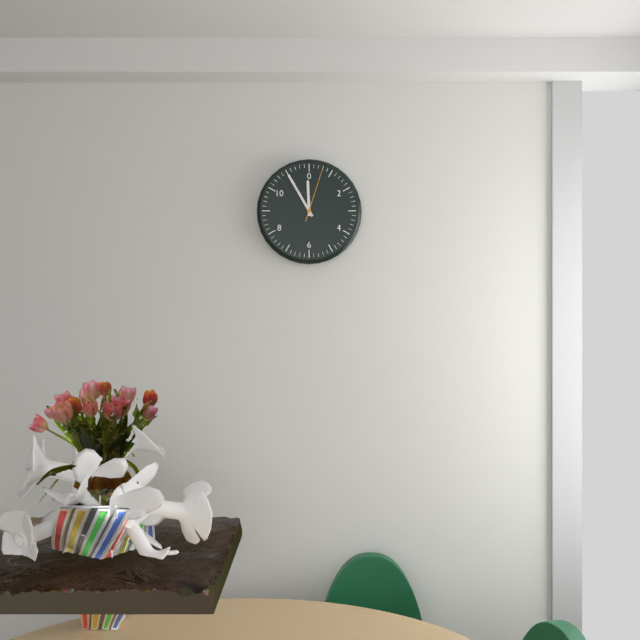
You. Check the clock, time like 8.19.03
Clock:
11.55.03
